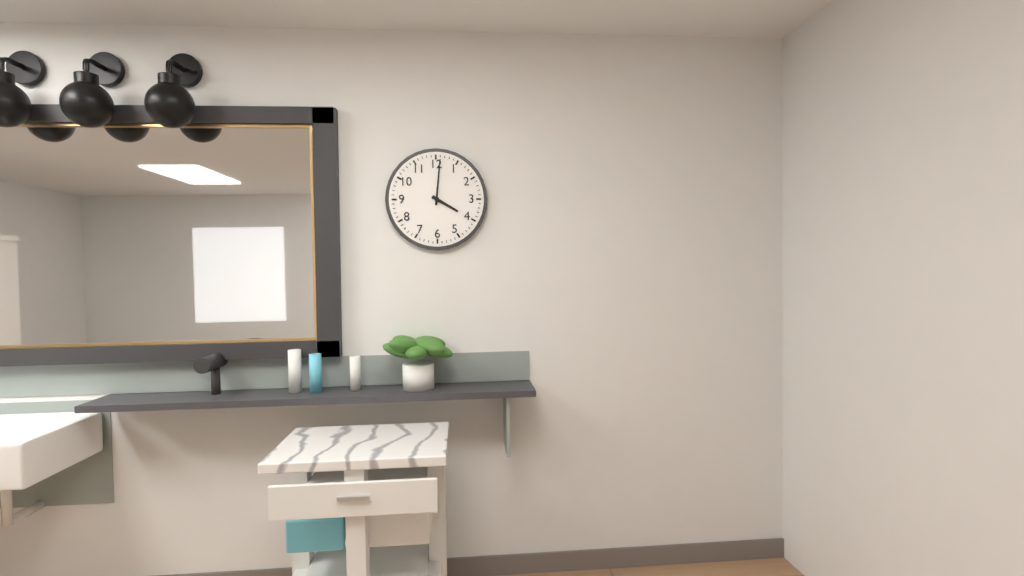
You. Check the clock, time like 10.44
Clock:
4.01
